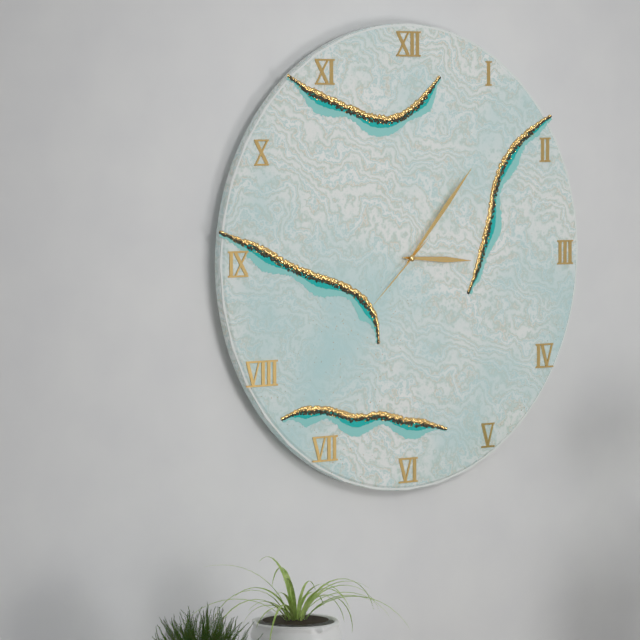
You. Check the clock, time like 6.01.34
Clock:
3.07.38
